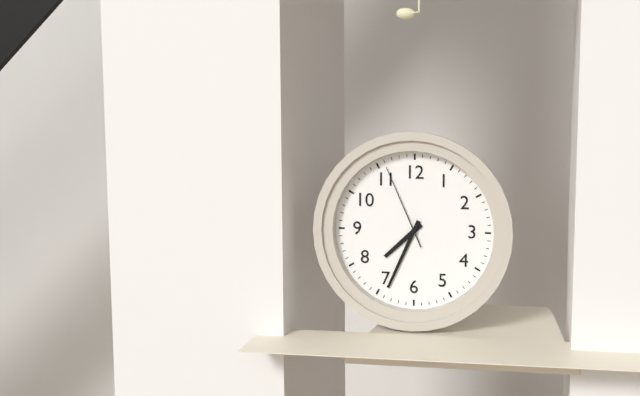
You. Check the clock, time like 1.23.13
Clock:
7.34.56
